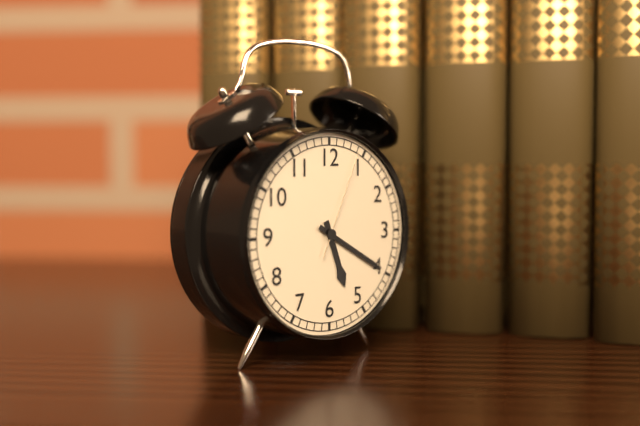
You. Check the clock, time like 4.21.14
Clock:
5.20.04
